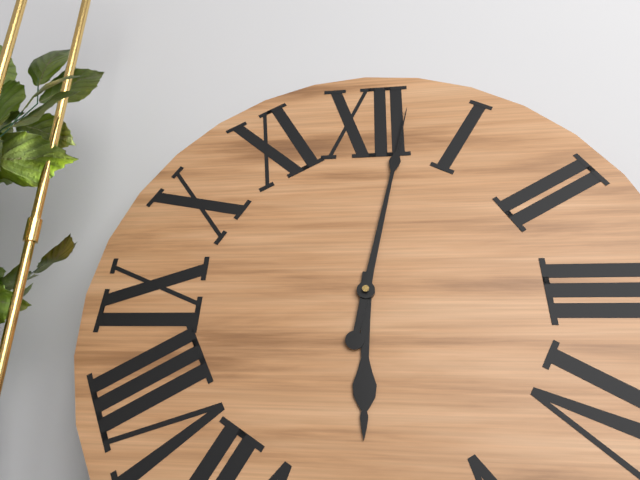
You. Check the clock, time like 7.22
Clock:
6.02
